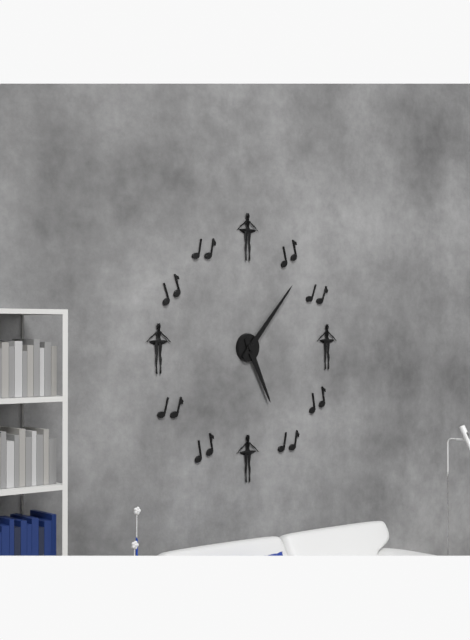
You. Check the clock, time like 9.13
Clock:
5.07
